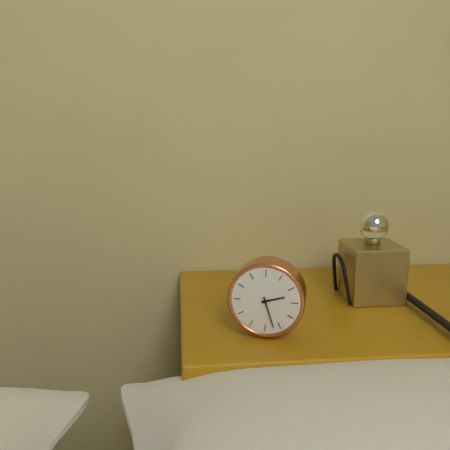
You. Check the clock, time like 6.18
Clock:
2.27
